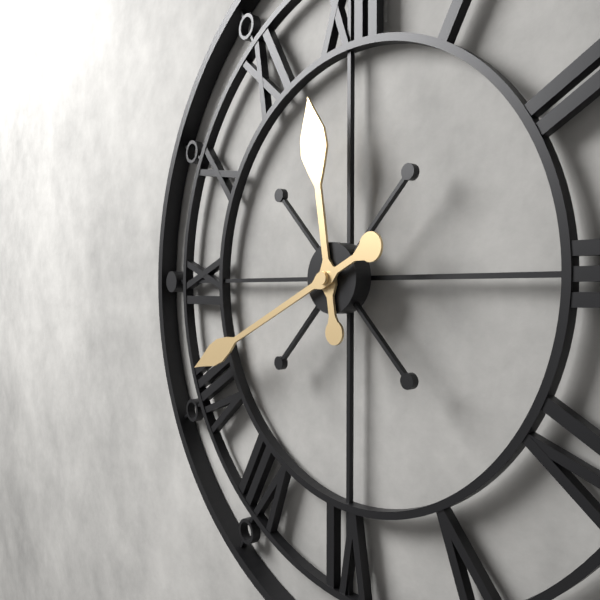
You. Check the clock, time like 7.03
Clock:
11.41
